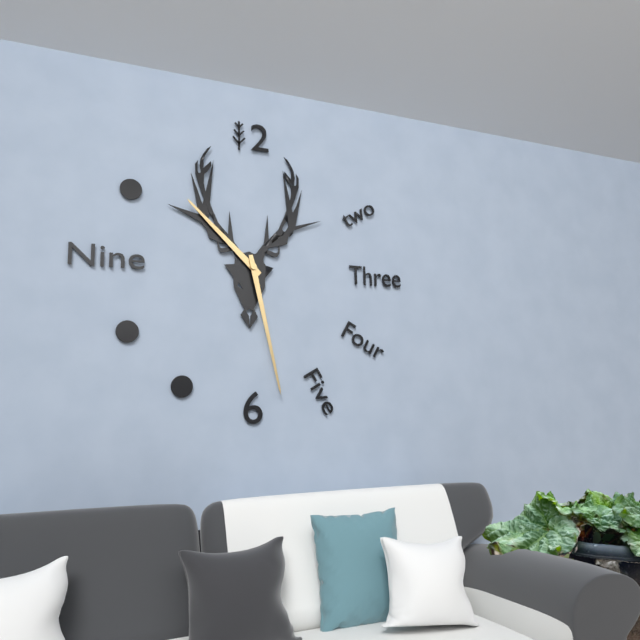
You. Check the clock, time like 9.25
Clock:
10.28
